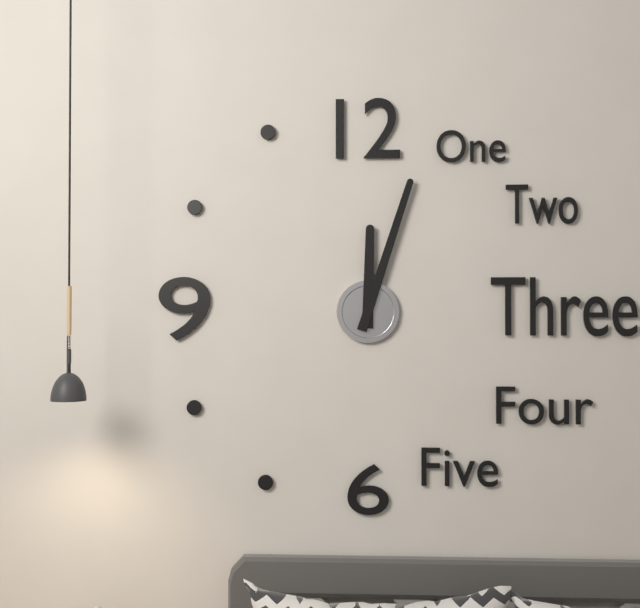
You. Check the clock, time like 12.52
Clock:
12.03
